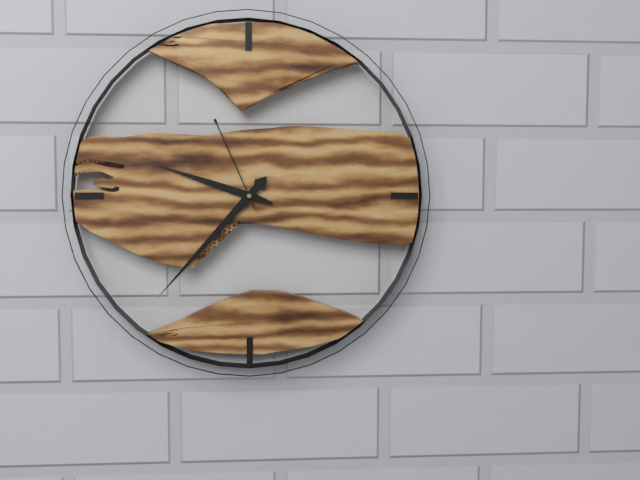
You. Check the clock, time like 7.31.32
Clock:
9.37.56
